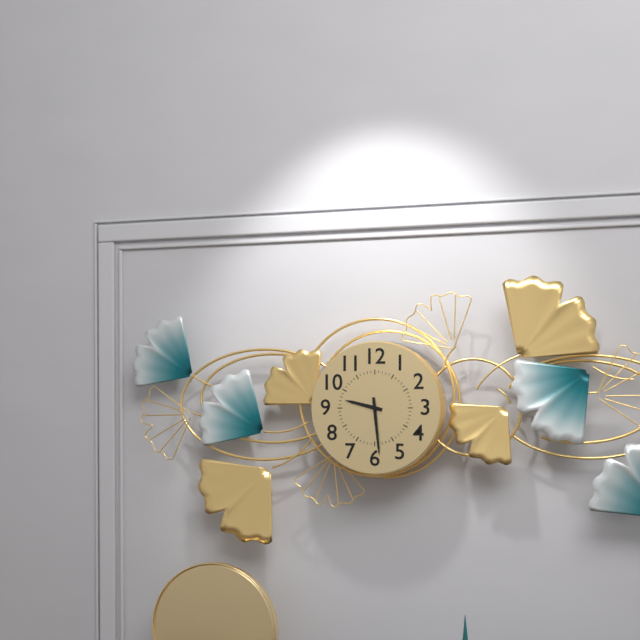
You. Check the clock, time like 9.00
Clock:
9.29
